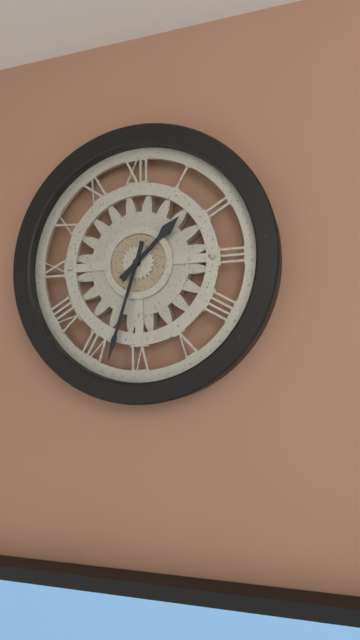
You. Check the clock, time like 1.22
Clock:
1.33
